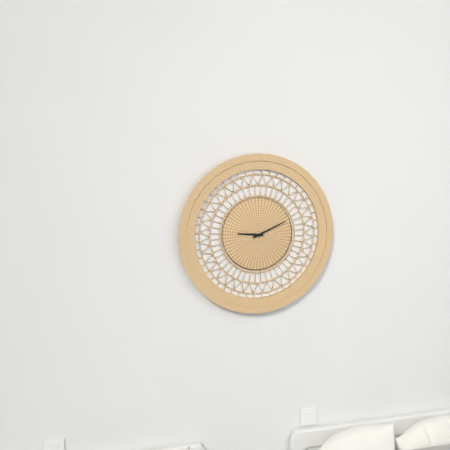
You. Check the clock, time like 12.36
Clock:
9.11
